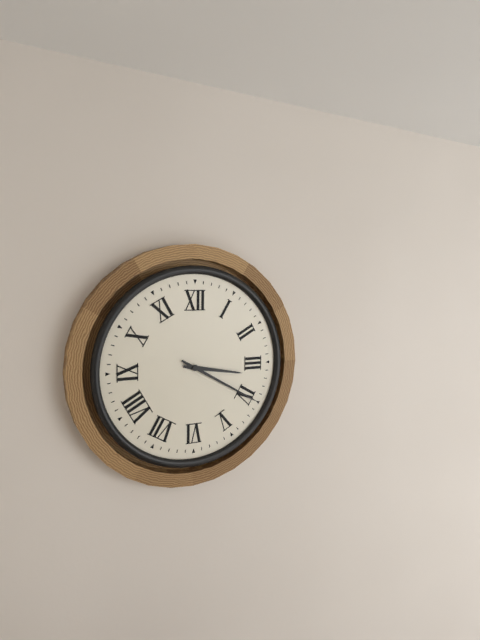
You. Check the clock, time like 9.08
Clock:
3.20
